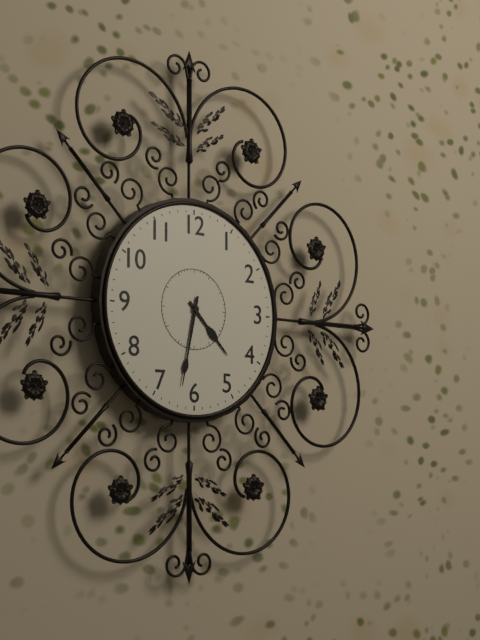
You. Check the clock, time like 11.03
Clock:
4.32
